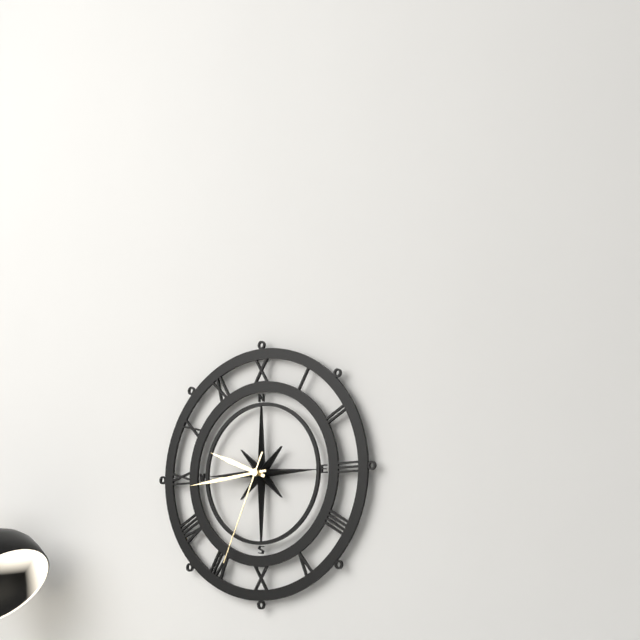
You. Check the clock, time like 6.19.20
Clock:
9.44.34
